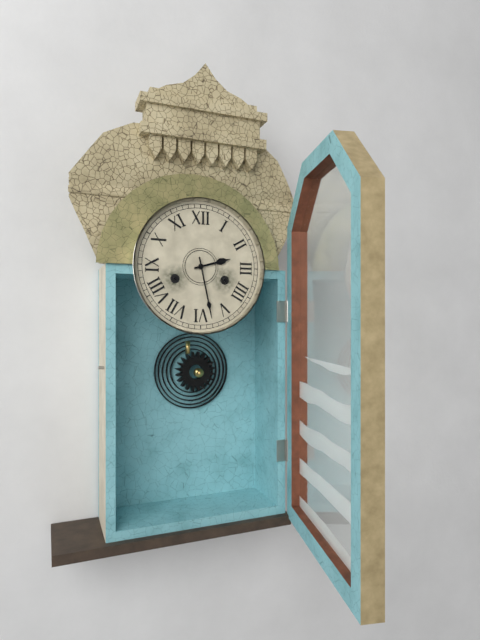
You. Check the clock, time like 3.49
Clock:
2.28
